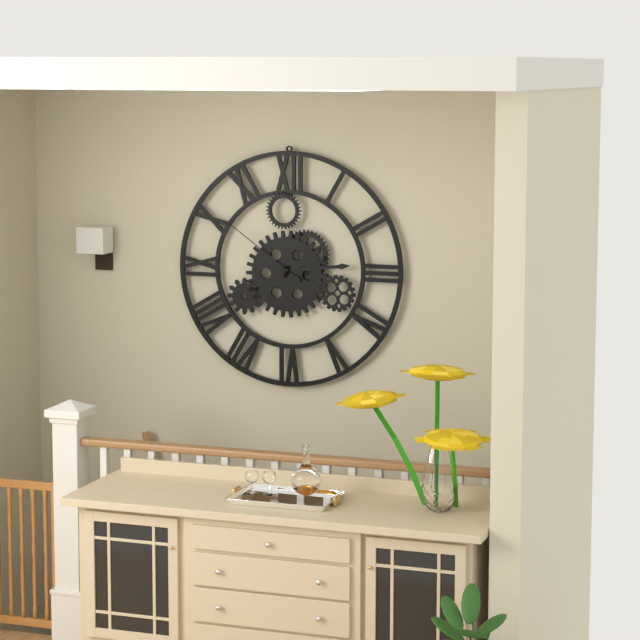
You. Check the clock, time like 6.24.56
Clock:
2.14.51
